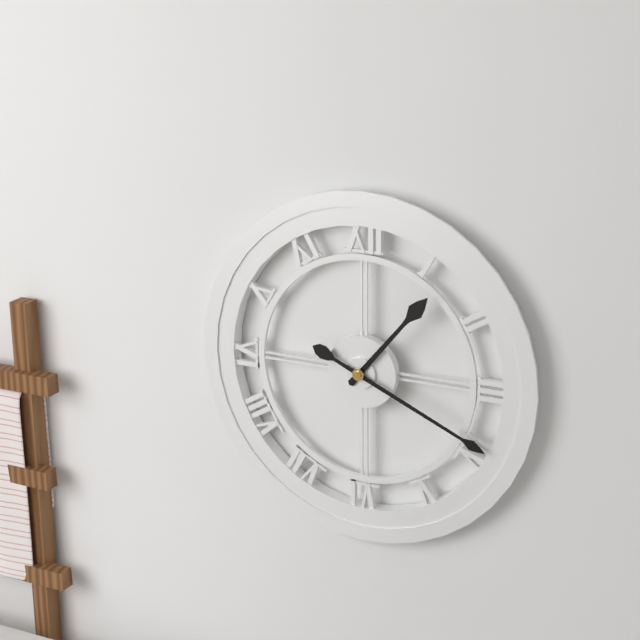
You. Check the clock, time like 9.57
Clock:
1.19
